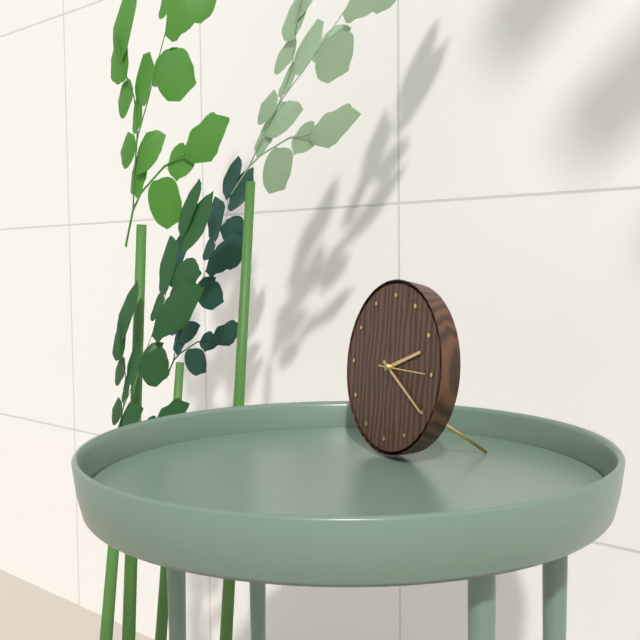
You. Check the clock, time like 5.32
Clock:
2.20
